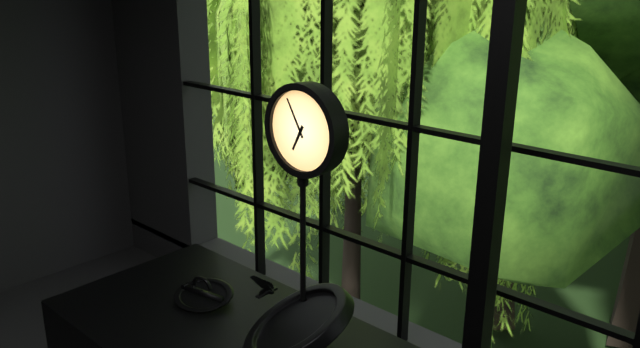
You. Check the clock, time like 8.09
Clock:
6.55
